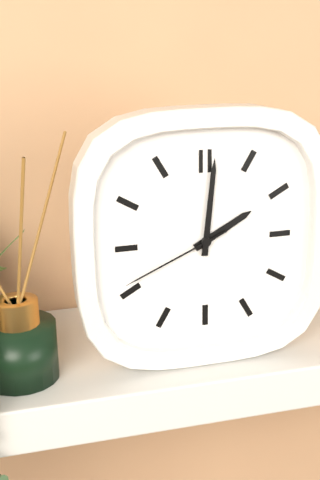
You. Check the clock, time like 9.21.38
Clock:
2.01.41
